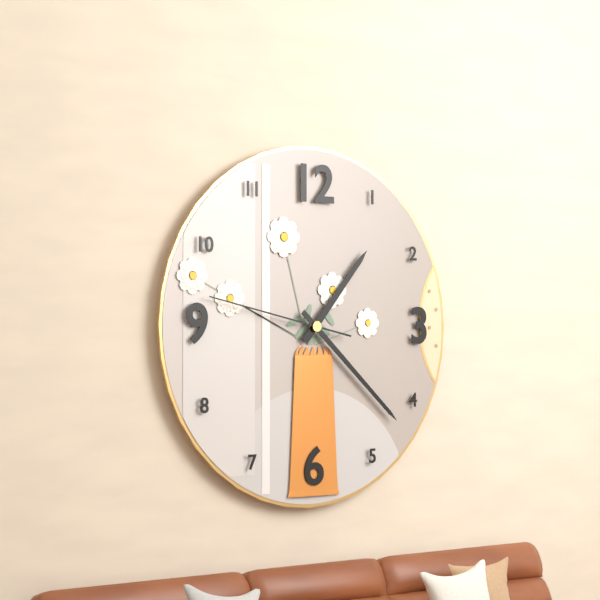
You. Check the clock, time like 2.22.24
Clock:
1.22.47
